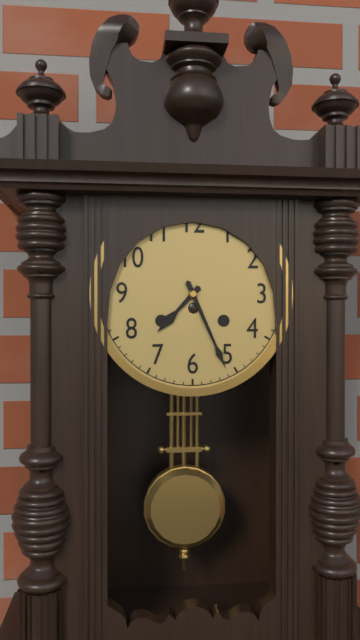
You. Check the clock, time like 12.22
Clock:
7.26
